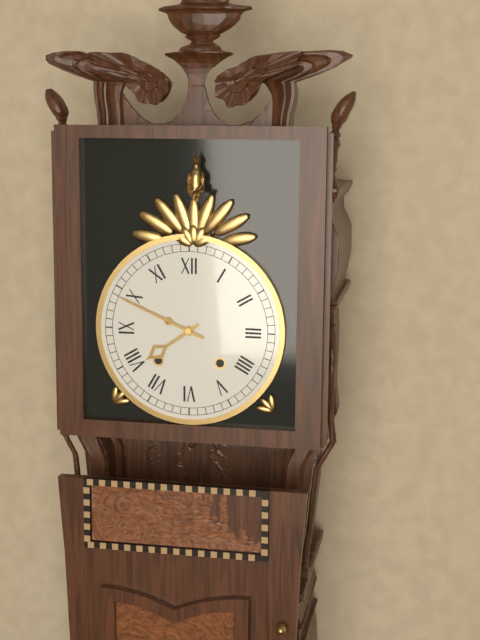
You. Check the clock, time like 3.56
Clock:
7.49
